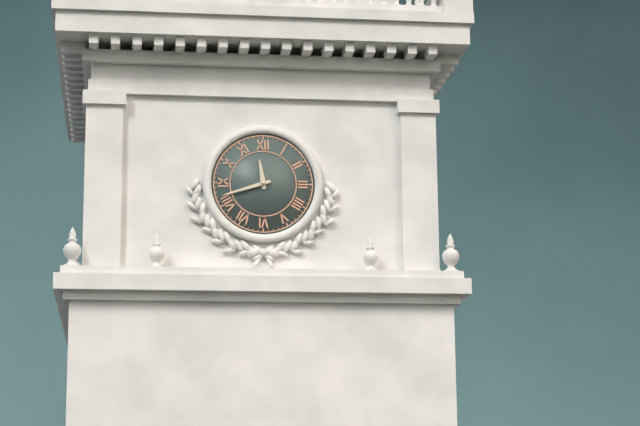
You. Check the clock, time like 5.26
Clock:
11.42
